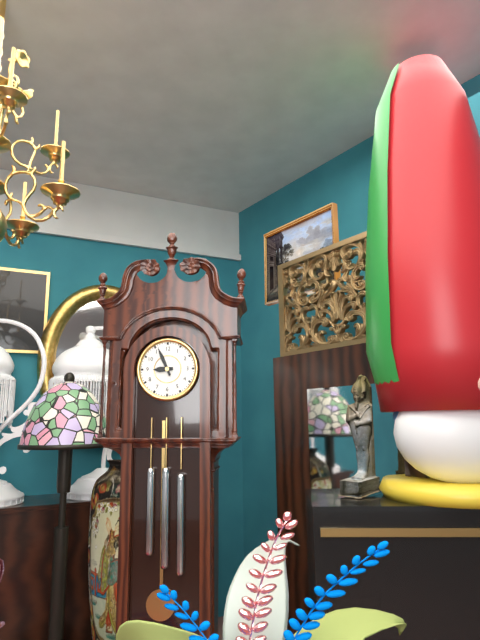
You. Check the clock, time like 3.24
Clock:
8.56
